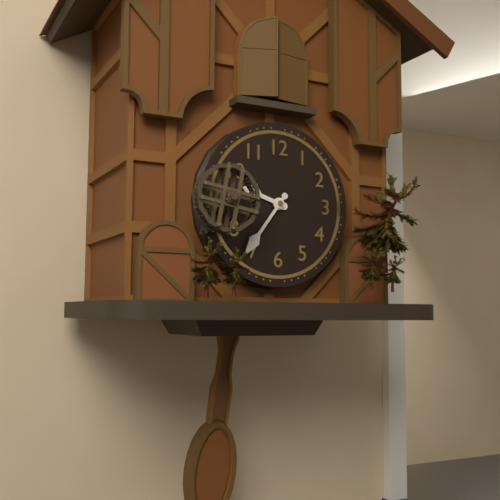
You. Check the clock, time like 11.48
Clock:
9.36
